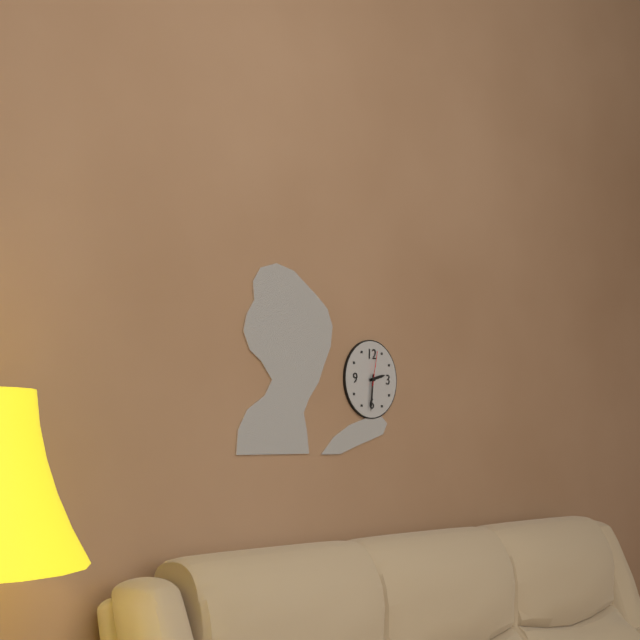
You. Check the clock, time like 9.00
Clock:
2.31
